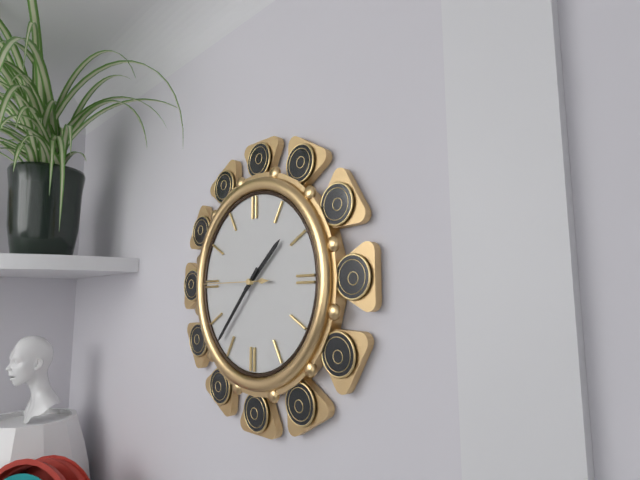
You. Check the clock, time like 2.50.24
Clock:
1.37.45
